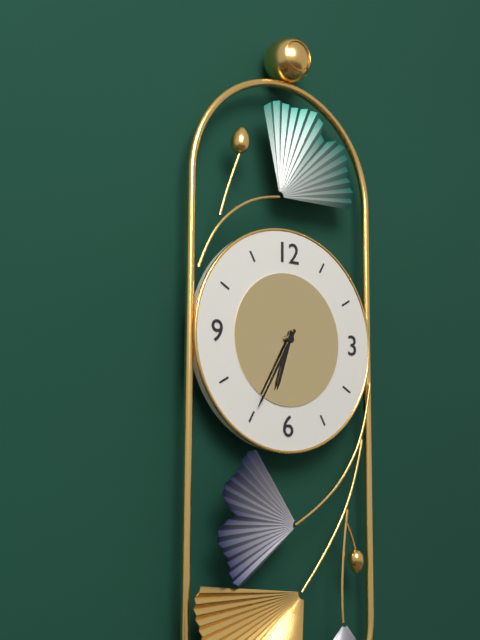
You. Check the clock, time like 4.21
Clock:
6.35
